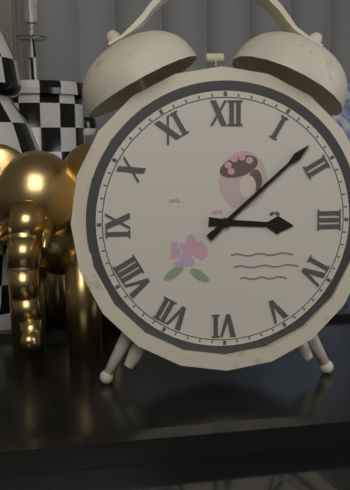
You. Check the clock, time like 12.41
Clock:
3.08
